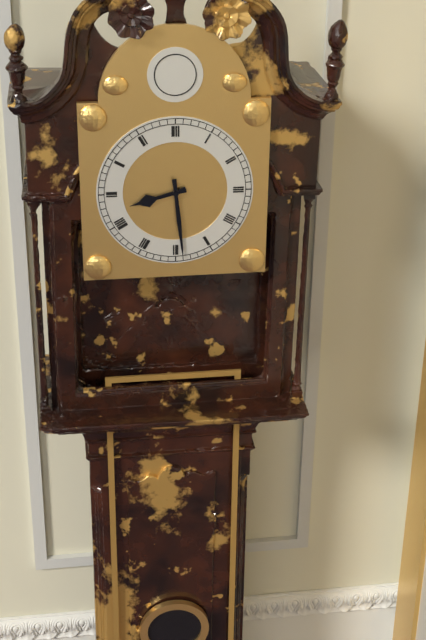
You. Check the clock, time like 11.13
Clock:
8.29
